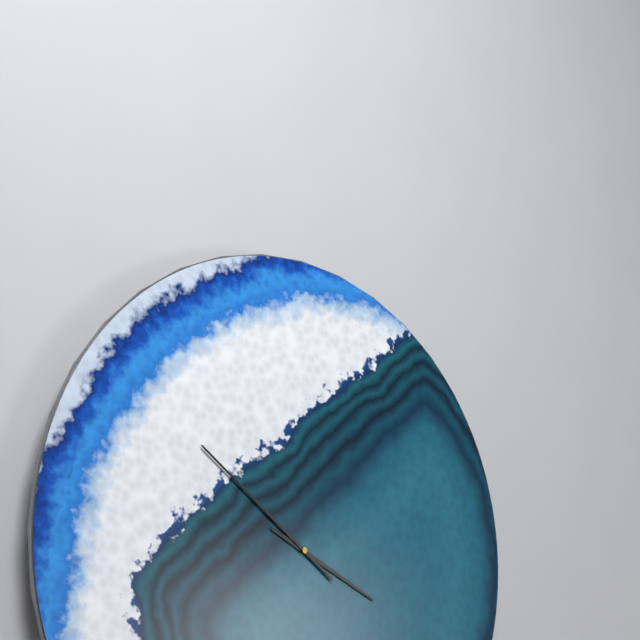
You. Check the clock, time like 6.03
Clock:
3.51
